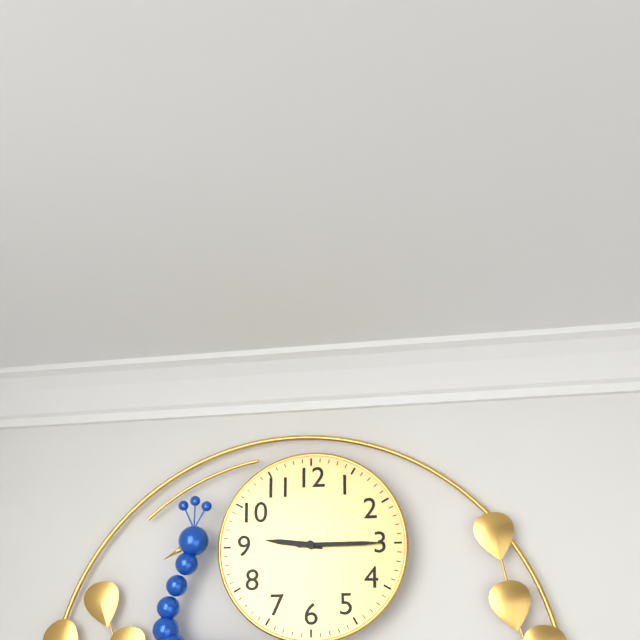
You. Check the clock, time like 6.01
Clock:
9.15
